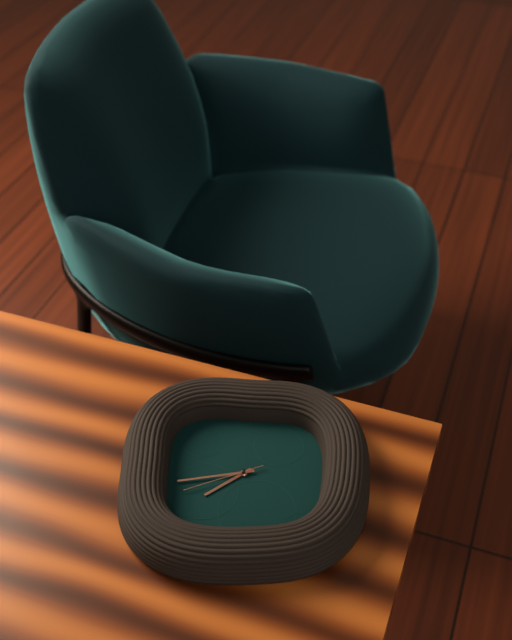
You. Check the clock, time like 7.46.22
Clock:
7.43.41
